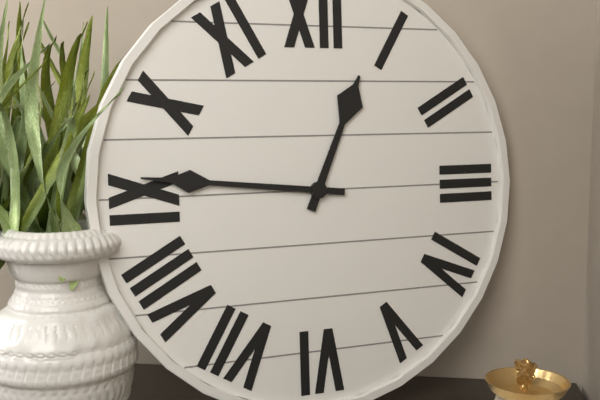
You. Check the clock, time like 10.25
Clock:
12.46
